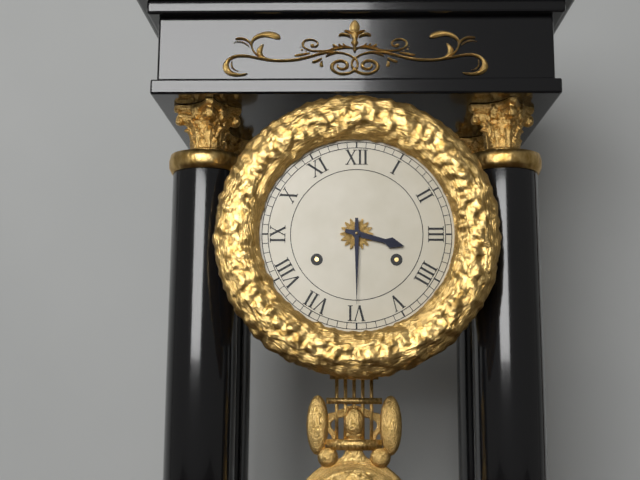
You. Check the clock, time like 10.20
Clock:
3.30
